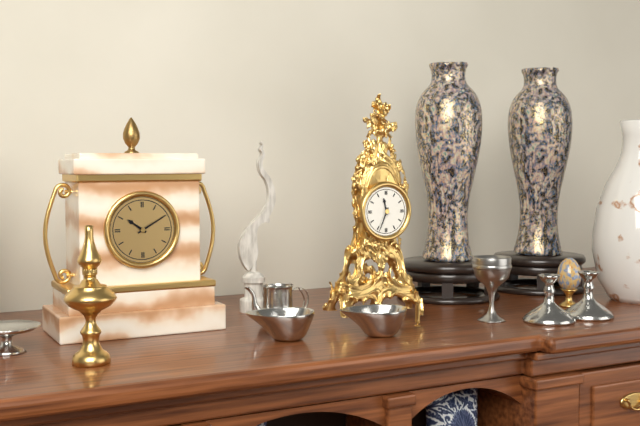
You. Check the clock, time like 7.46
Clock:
11.34
